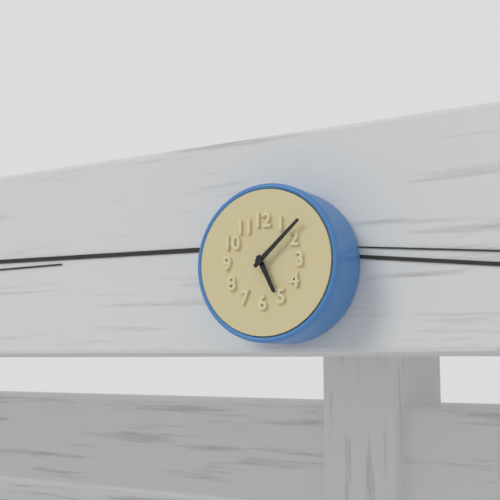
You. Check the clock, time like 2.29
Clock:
5.08
